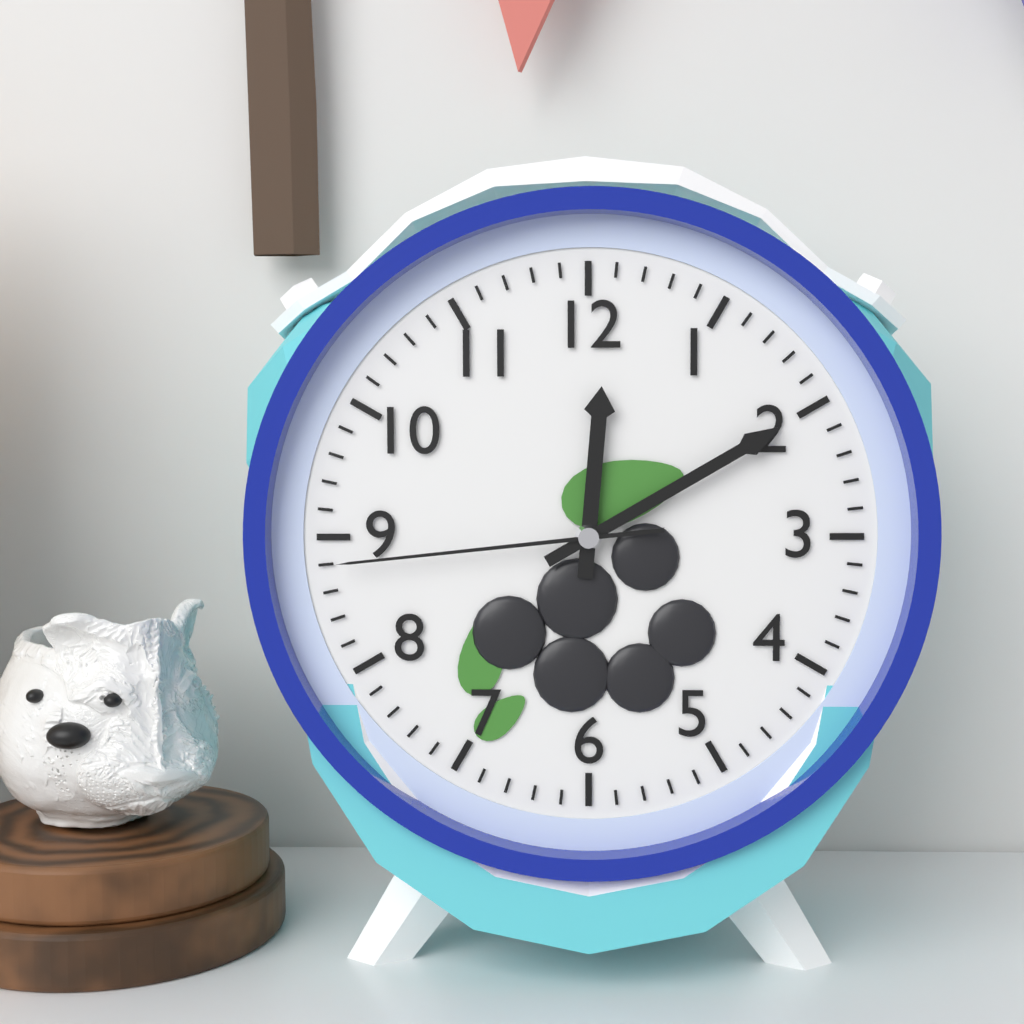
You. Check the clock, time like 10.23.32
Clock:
12.10.44
